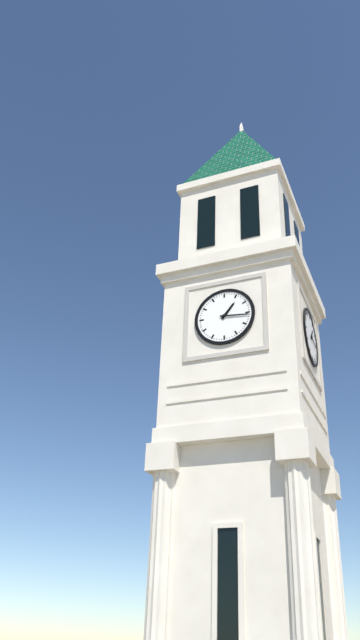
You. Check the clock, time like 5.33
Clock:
1.16
